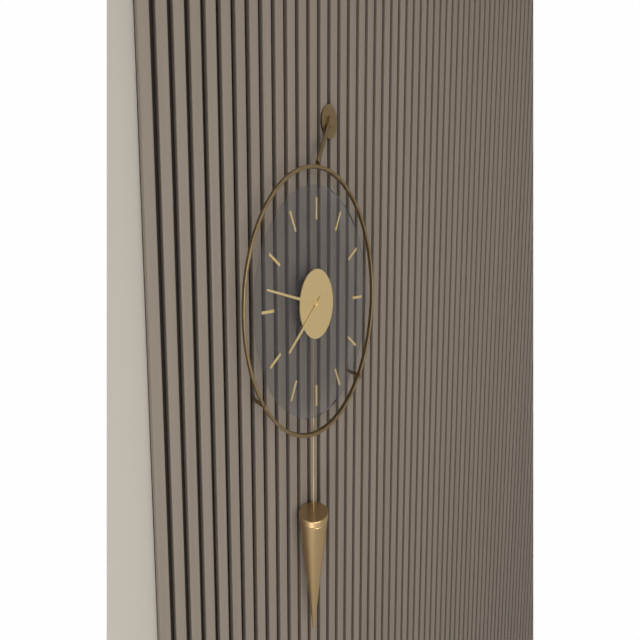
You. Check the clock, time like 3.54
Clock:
7.47
